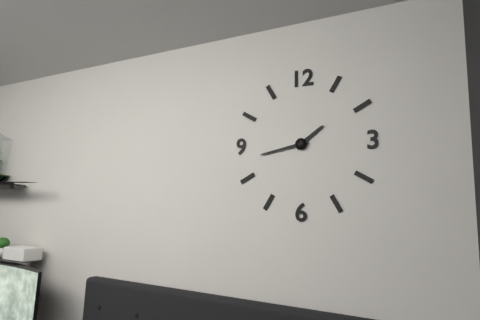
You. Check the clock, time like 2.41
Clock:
1.43
